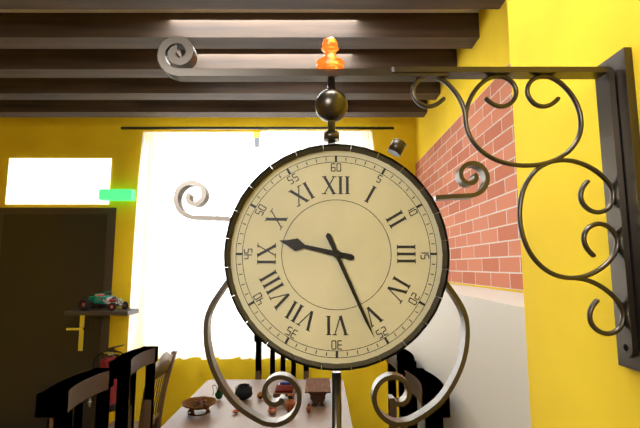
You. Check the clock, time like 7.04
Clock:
9.26
